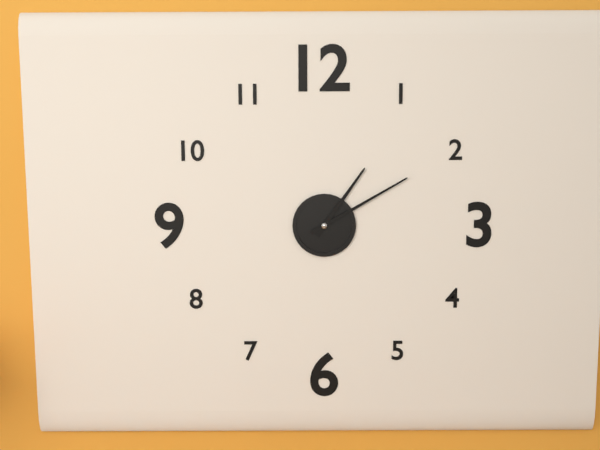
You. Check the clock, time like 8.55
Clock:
1.10
